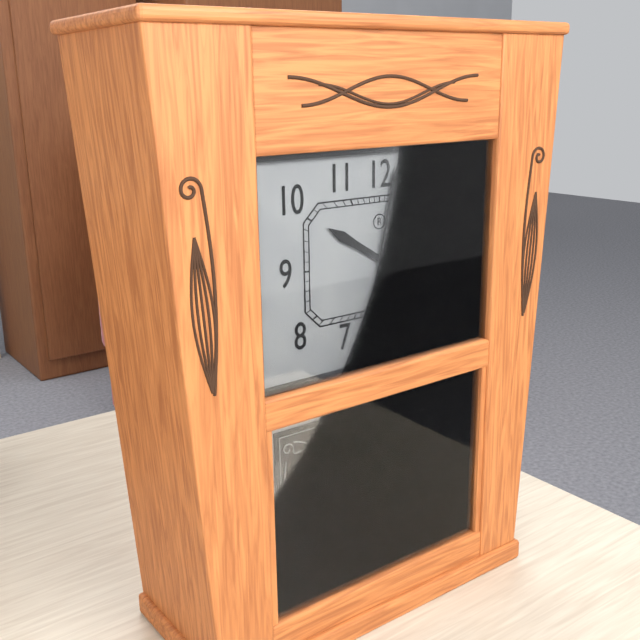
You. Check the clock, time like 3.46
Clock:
10.02
